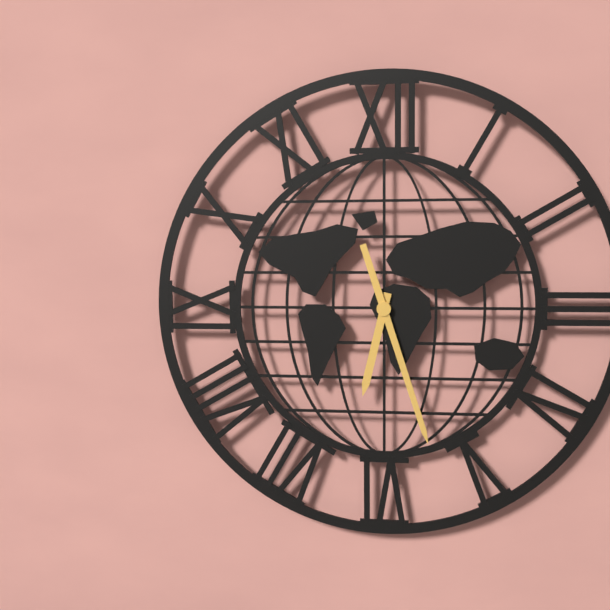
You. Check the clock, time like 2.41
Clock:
6.27
